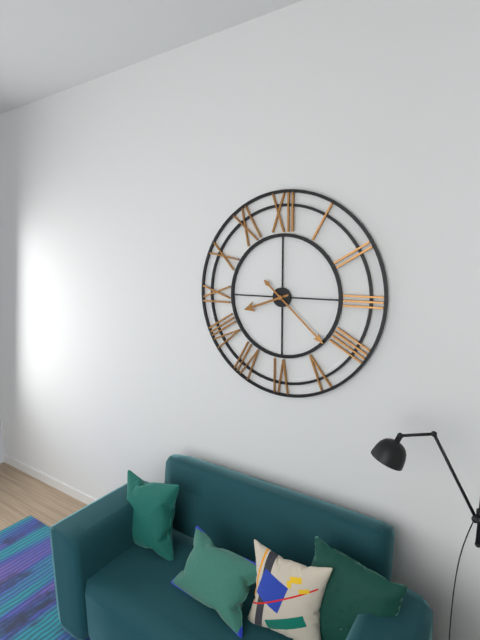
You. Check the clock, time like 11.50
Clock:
8.22
